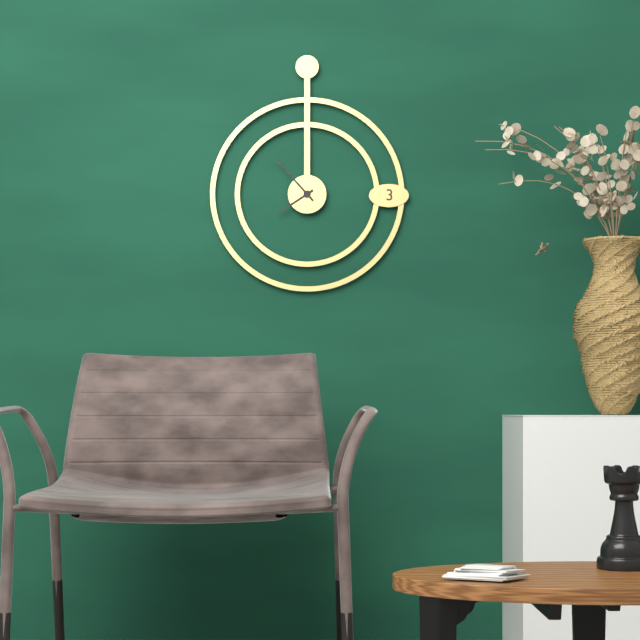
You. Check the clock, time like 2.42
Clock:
7.53
